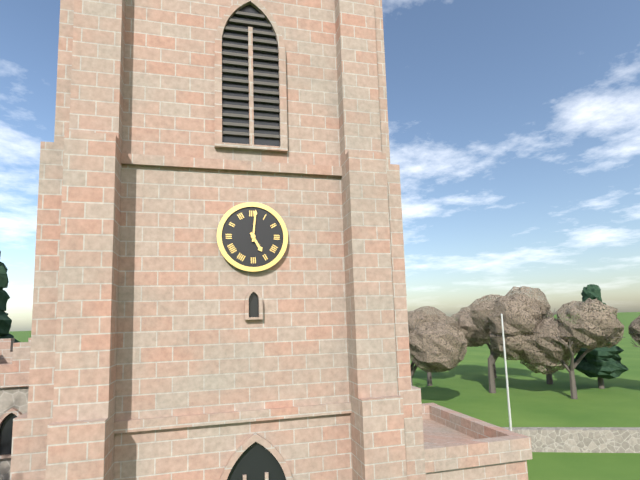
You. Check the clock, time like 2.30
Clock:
5.01
